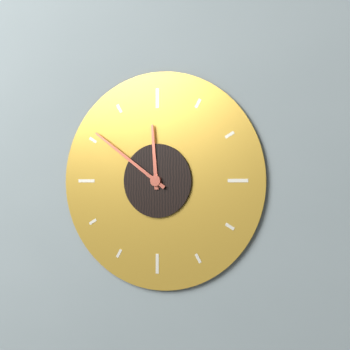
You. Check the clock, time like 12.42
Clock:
11.51
